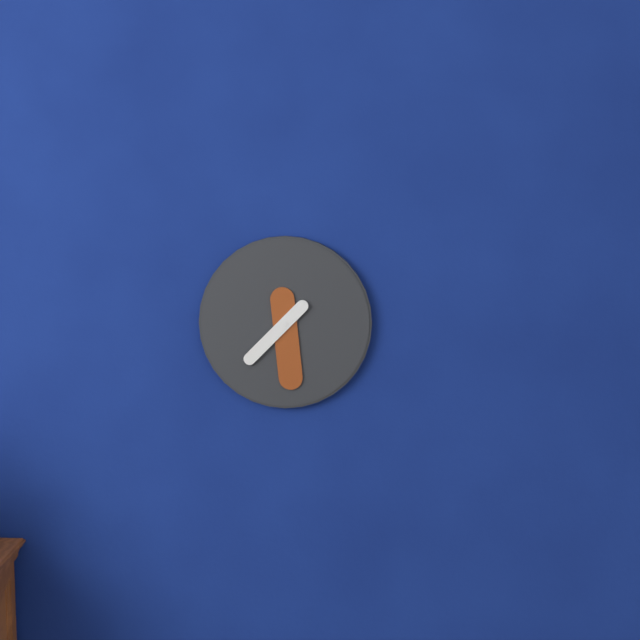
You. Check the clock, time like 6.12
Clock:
7.29
